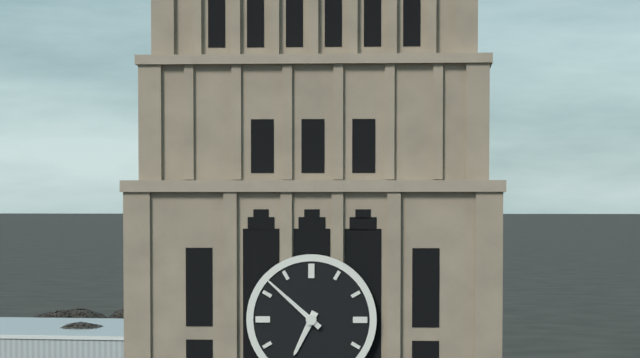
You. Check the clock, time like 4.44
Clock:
6.52
